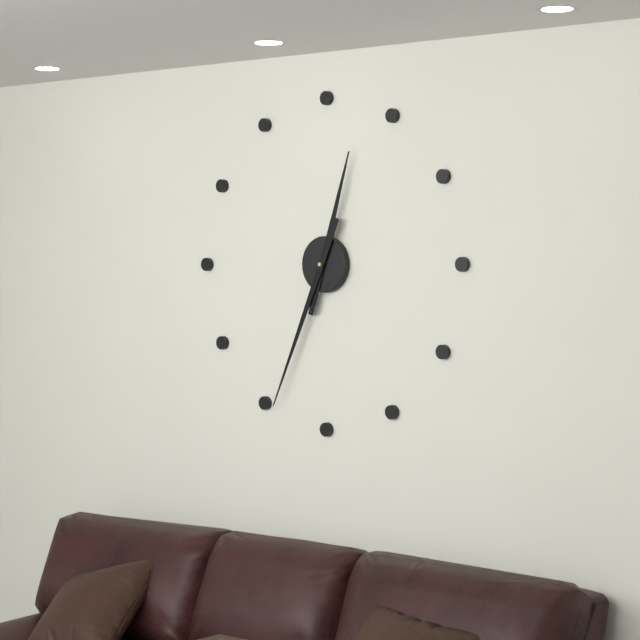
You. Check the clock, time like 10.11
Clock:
12.34
